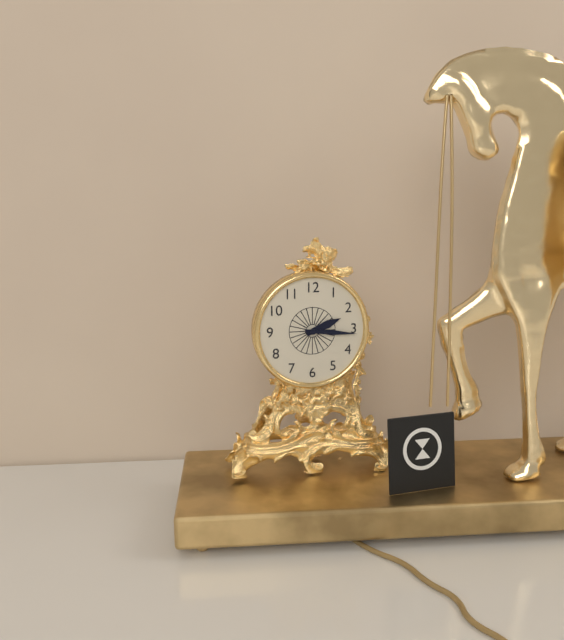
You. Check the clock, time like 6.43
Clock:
2.16
